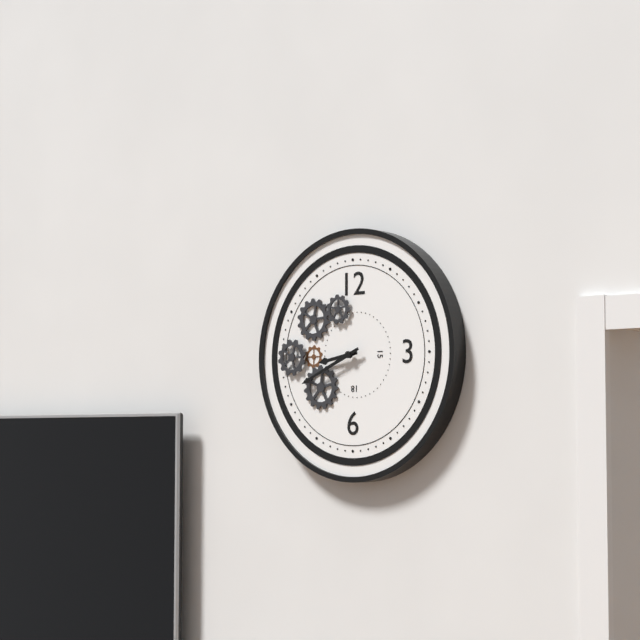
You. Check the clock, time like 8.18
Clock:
8.41
